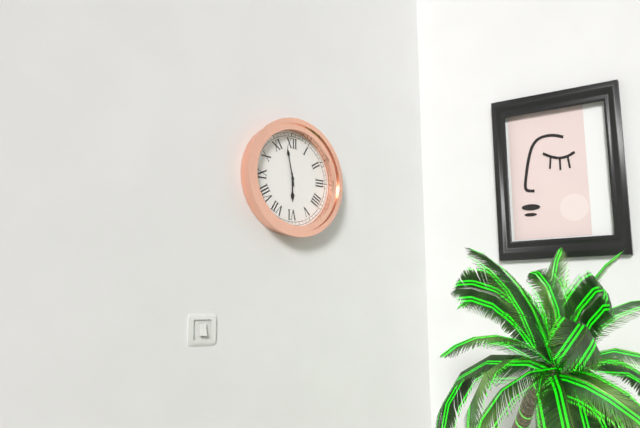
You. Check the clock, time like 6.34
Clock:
5.58
